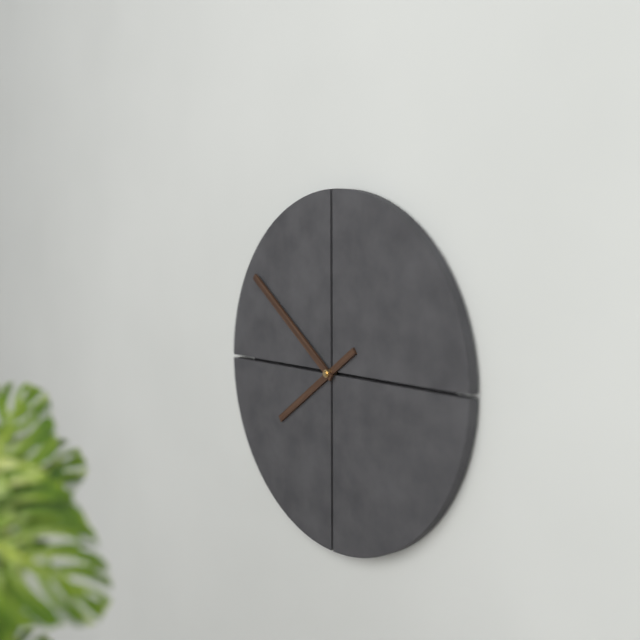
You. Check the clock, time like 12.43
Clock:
7.51
